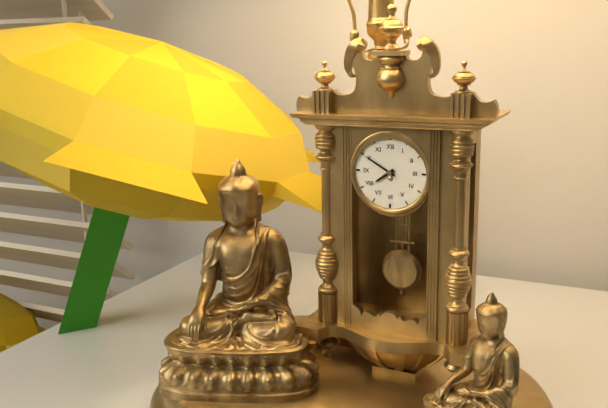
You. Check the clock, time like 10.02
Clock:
7.50
